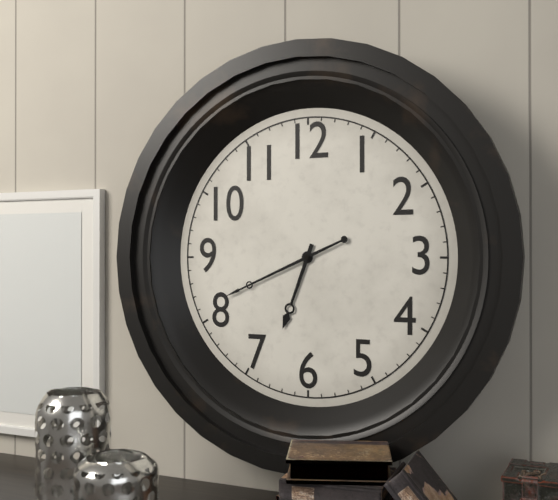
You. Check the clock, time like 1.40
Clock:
6.41
